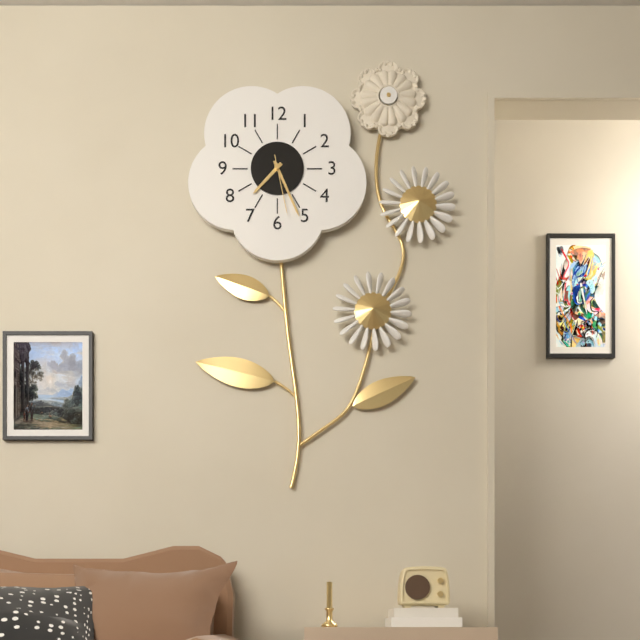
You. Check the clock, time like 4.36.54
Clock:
7.26.28
